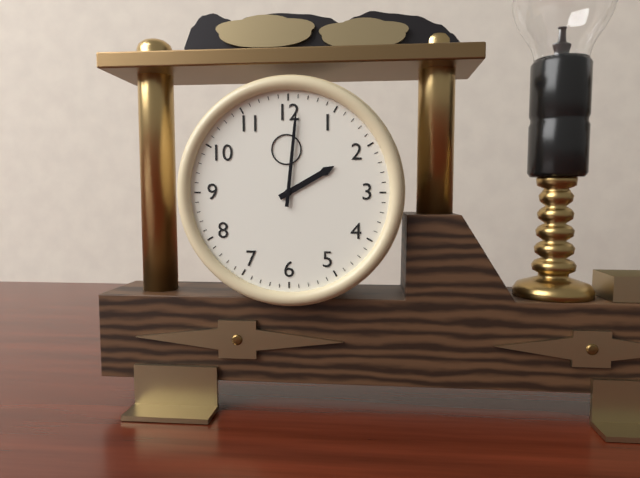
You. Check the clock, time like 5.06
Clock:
2.01
